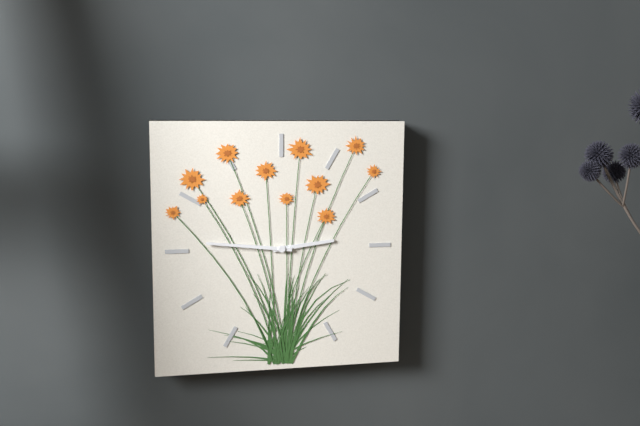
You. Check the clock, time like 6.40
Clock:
2.46
